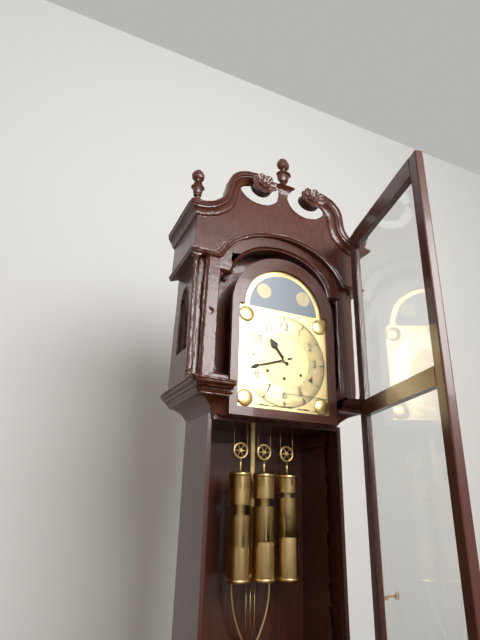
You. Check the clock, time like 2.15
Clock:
10.42
